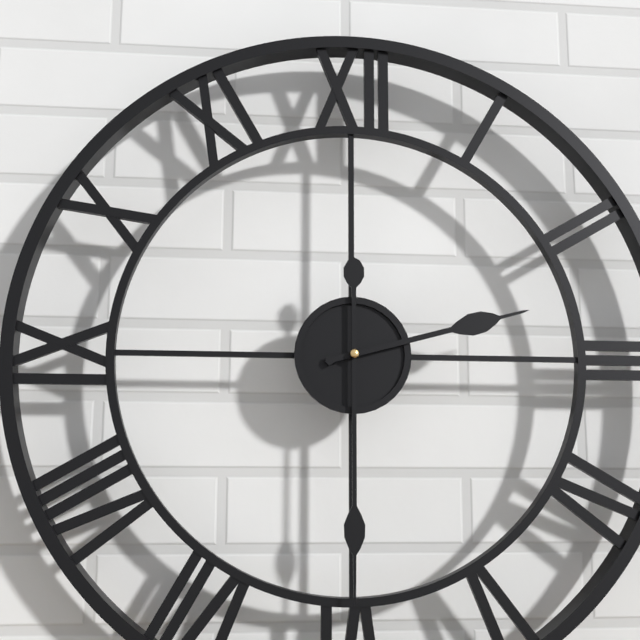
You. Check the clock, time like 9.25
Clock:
2.30
